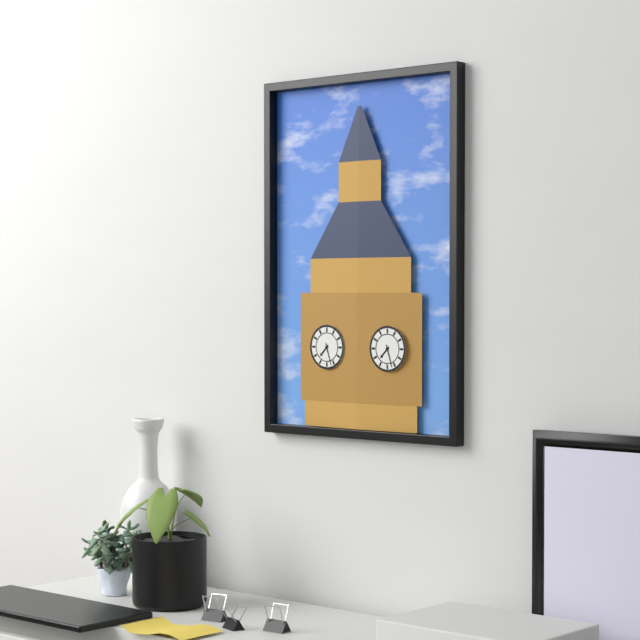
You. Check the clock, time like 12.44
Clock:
7.27
